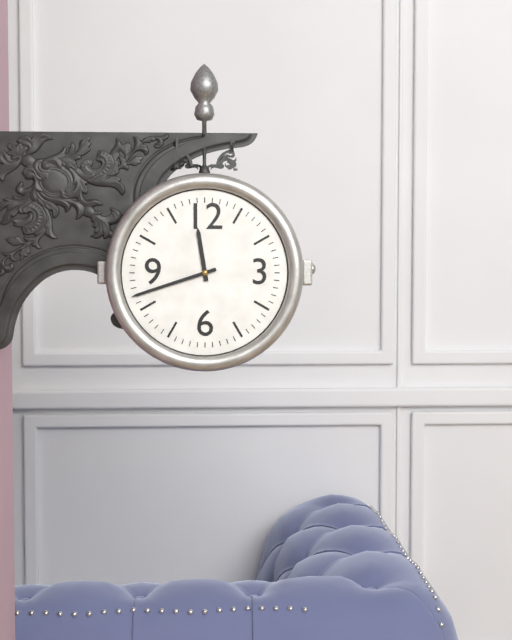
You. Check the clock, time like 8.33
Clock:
11.42
